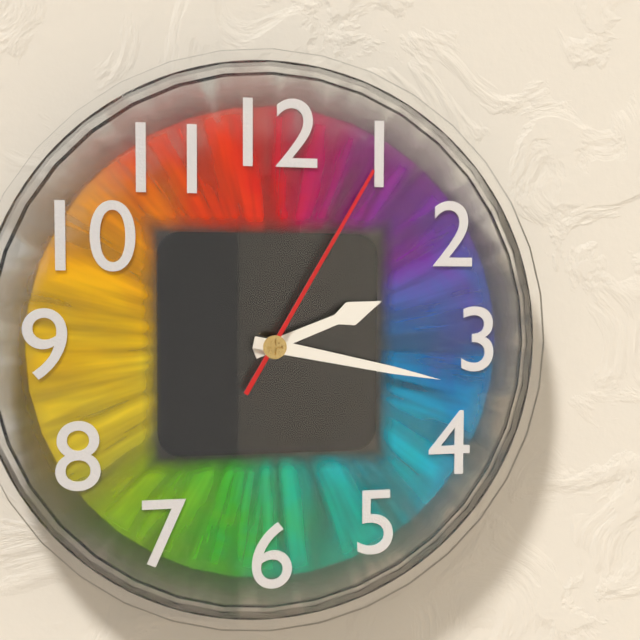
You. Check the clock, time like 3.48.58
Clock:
2.17.05
